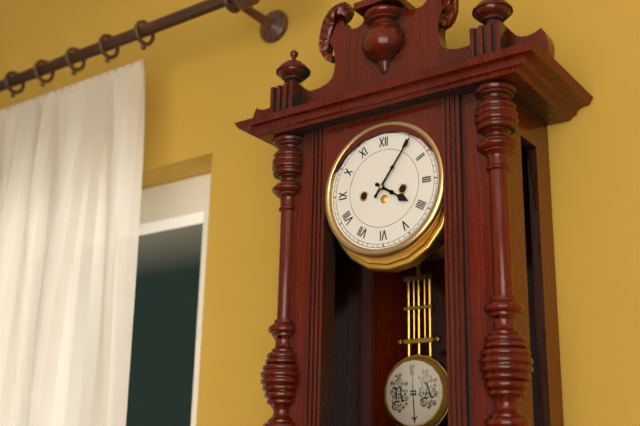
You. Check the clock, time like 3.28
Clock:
4.06
